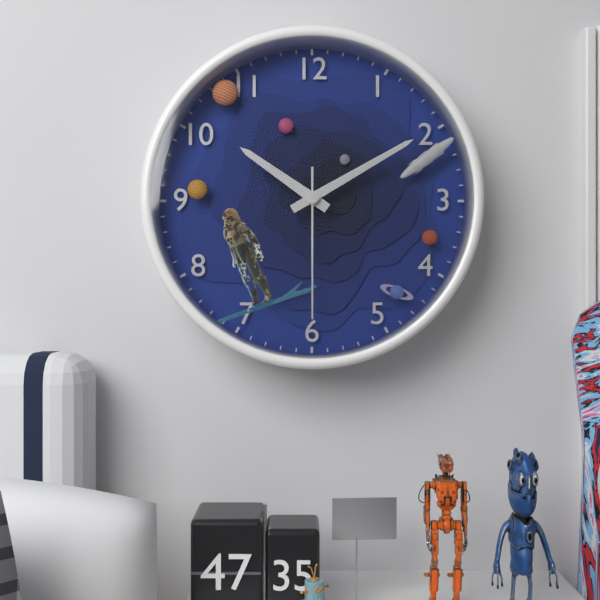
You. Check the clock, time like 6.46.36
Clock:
10.10.30
